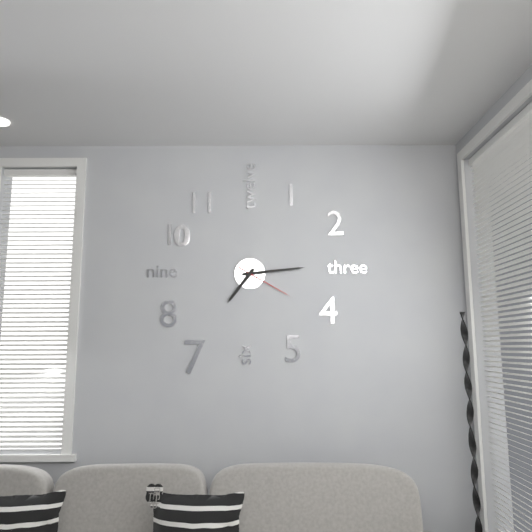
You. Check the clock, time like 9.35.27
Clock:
7.14.20
